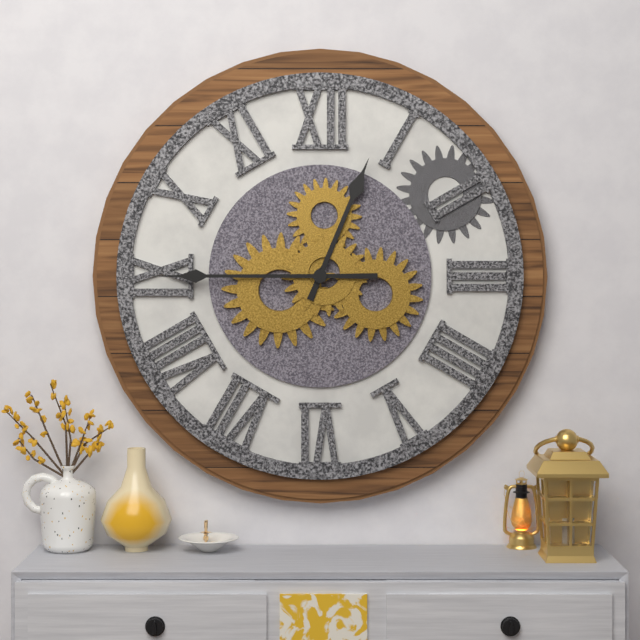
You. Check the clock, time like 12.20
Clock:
12.45
